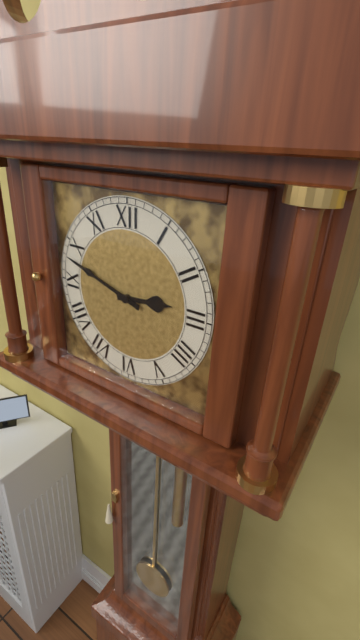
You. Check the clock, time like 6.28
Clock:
2.48
